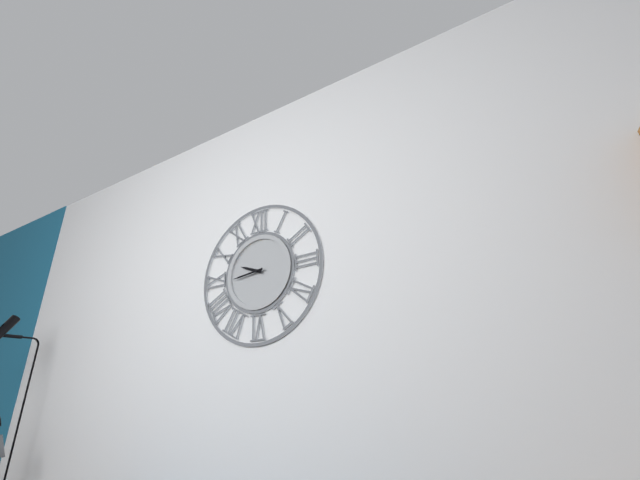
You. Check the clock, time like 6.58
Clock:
9.44
